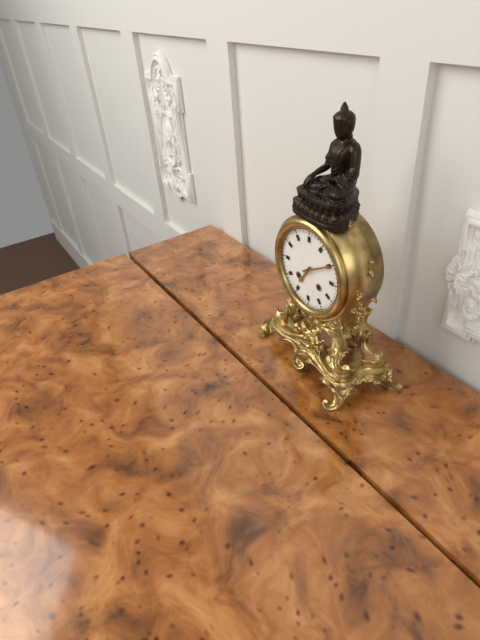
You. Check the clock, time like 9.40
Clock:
7.10
